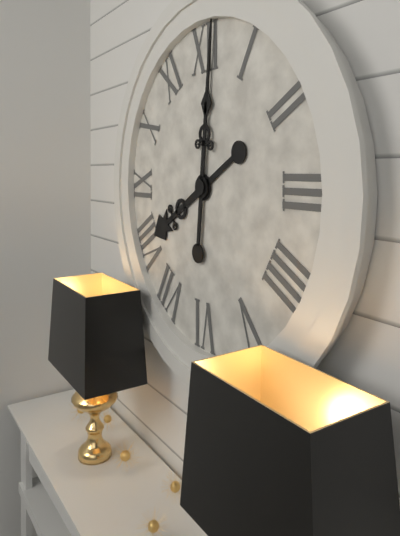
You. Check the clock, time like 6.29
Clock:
8.01
